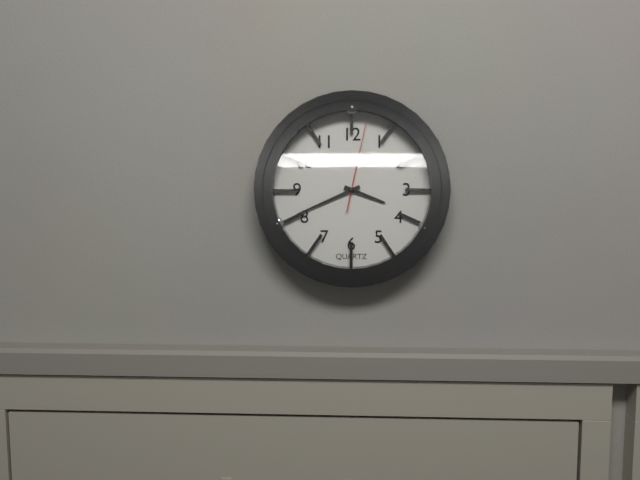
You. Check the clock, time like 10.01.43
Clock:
3.41.02
